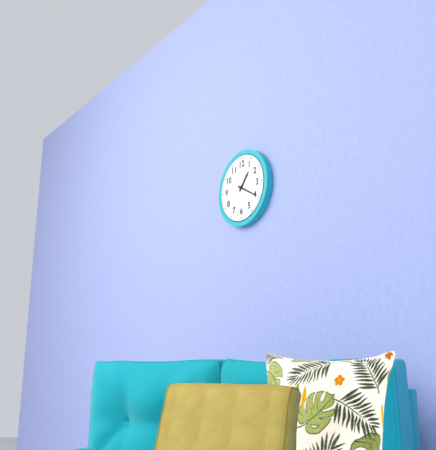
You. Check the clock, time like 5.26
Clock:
1.20
